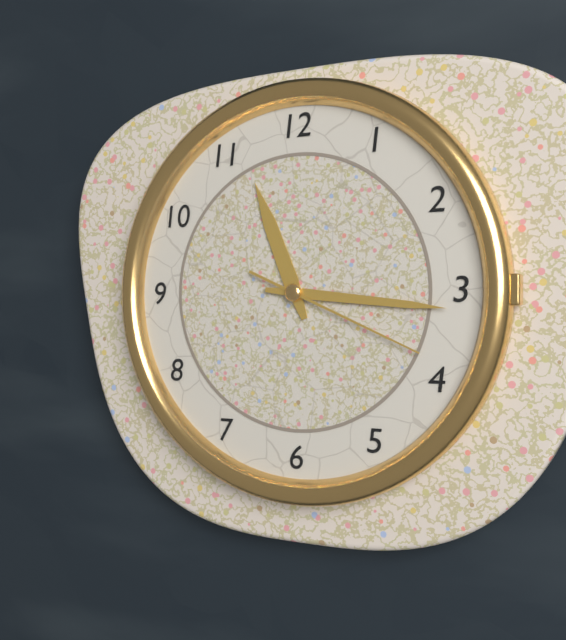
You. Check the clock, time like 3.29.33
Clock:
11.16.19
